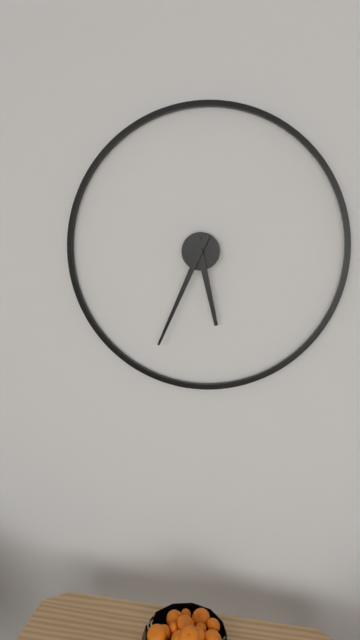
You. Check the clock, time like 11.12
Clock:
5.34
